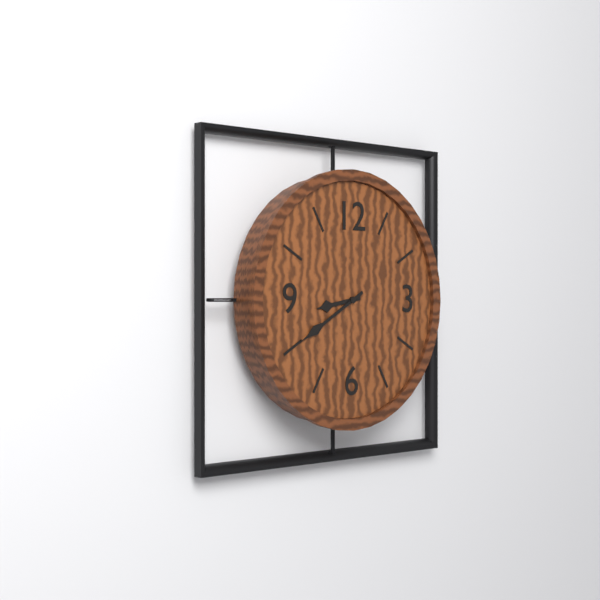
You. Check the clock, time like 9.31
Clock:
8.40
